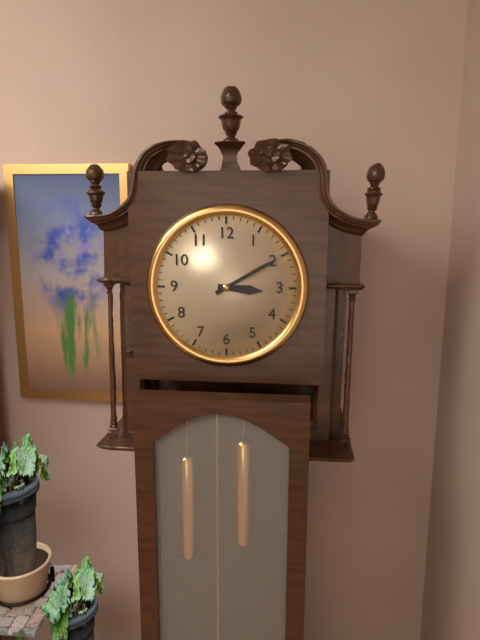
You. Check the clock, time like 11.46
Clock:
3.10
